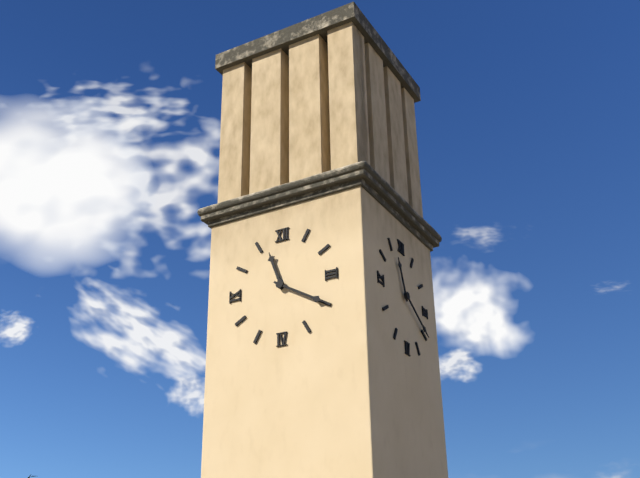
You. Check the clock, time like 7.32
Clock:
11.20
